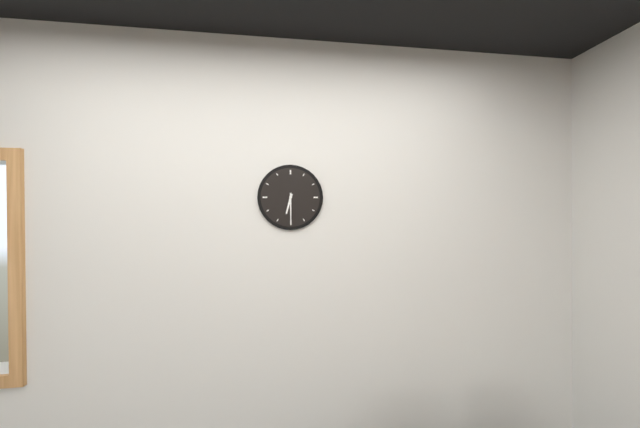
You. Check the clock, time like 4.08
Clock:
6.30
